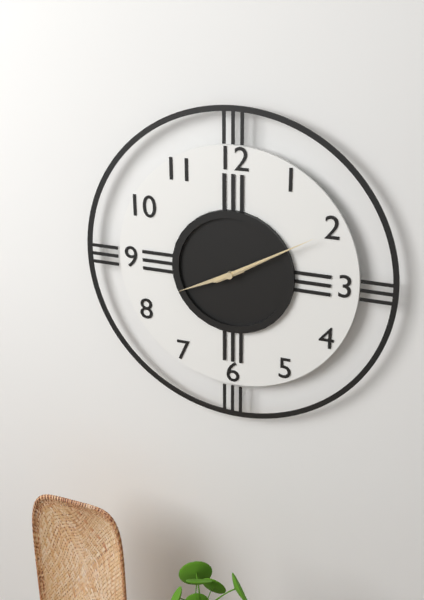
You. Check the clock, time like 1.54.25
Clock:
8.10.10
